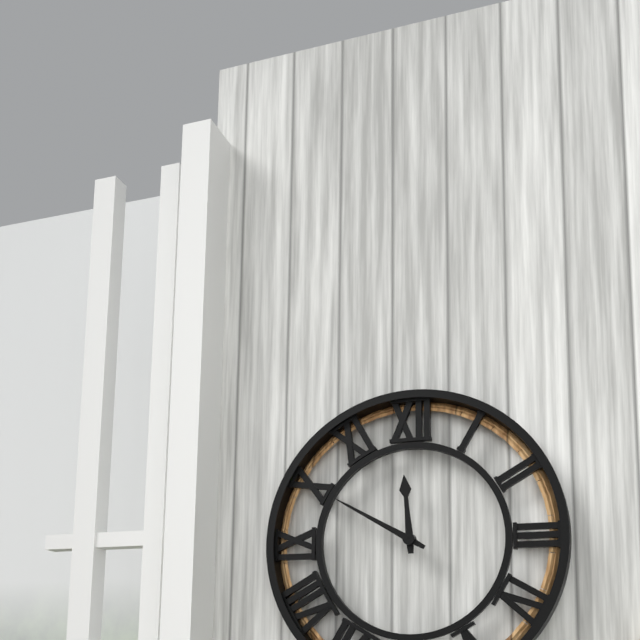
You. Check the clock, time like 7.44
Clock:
11.50
